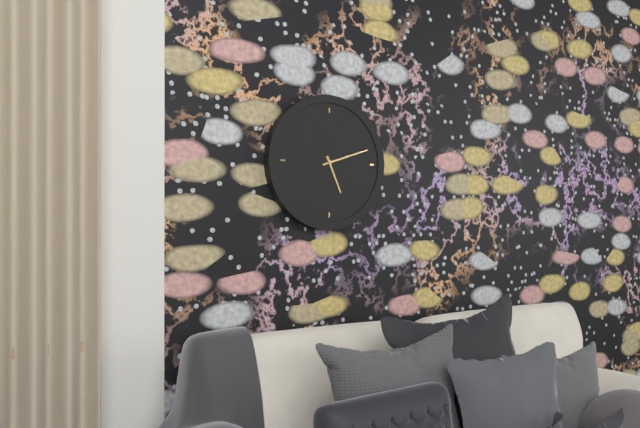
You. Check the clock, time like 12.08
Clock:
5.12
